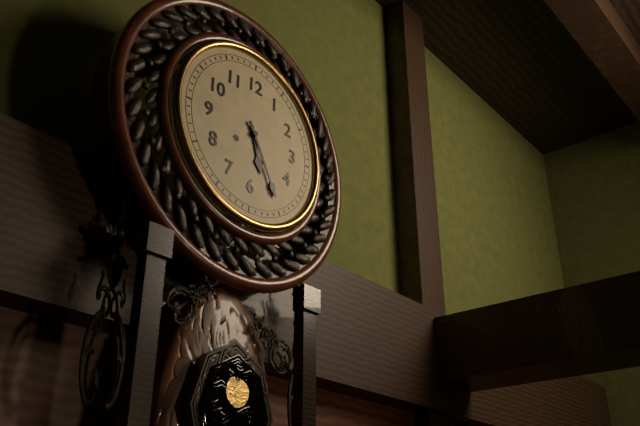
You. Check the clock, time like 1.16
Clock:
5.25
